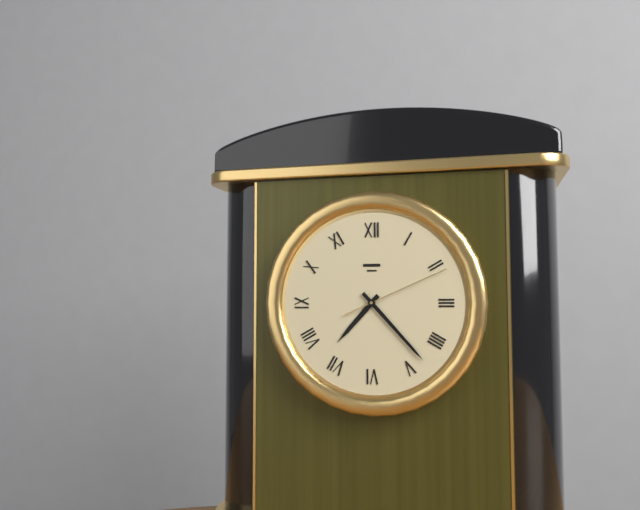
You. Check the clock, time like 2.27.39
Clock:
7.23.11
